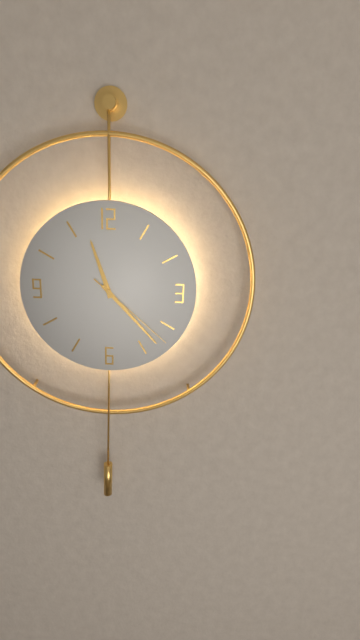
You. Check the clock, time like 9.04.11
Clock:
11.23.22
